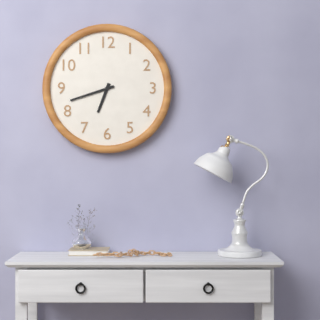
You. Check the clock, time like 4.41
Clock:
6.42
